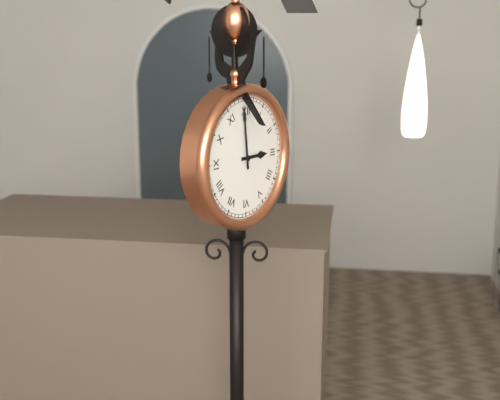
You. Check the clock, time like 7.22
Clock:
2.59
